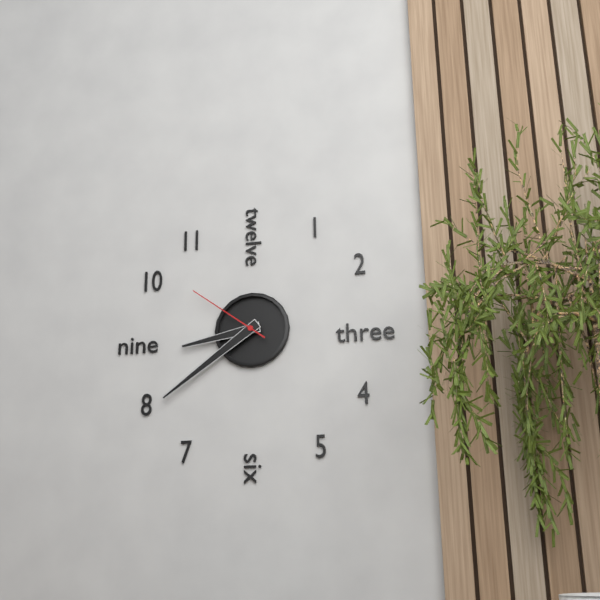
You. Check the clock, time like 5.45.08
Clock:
8.39.51
